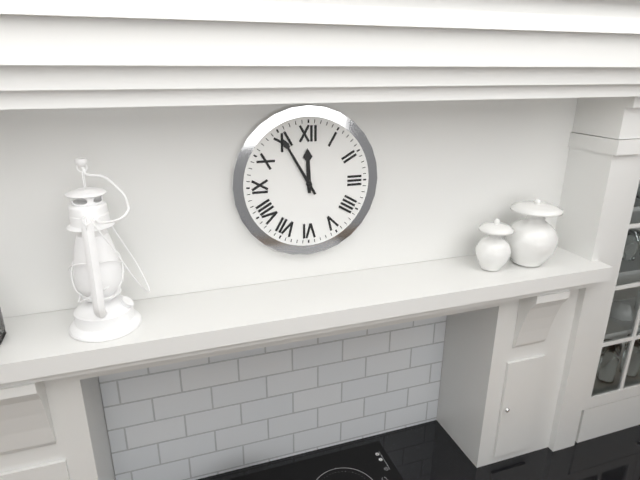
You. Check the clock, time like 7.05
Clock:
11.55
